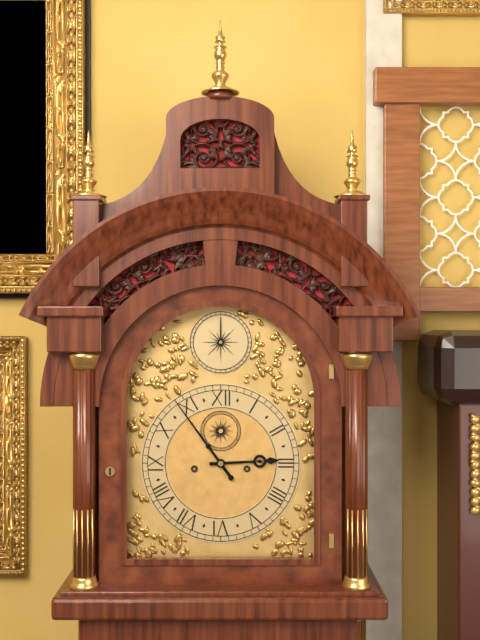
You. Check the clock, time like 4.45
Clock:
2.54
